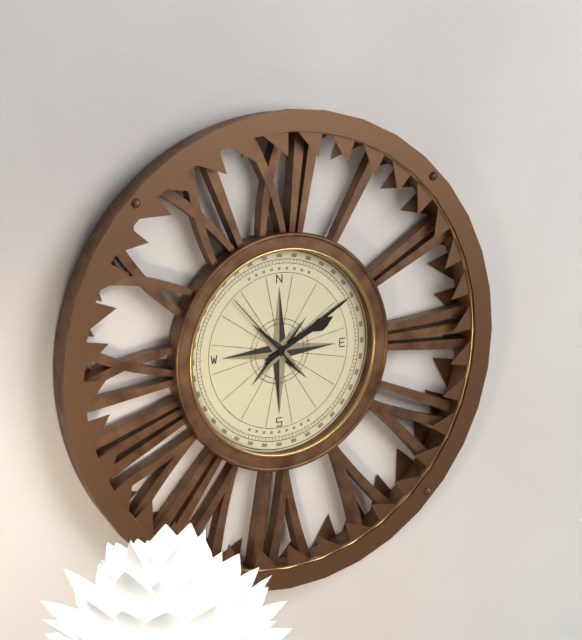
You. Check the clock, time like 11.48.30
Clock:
2.10.53
